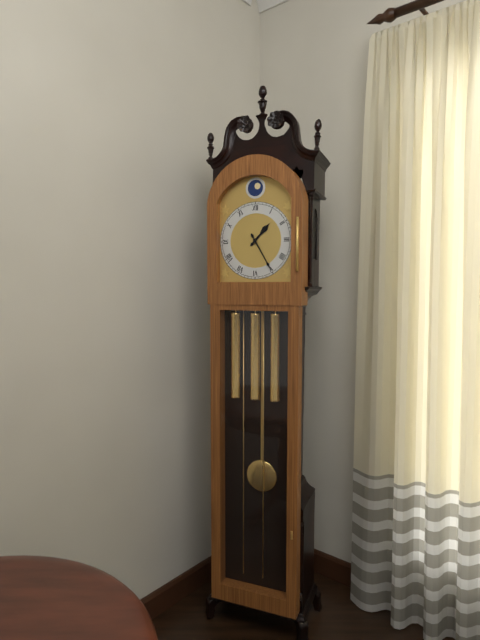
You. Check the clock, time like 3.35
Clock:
1.25
